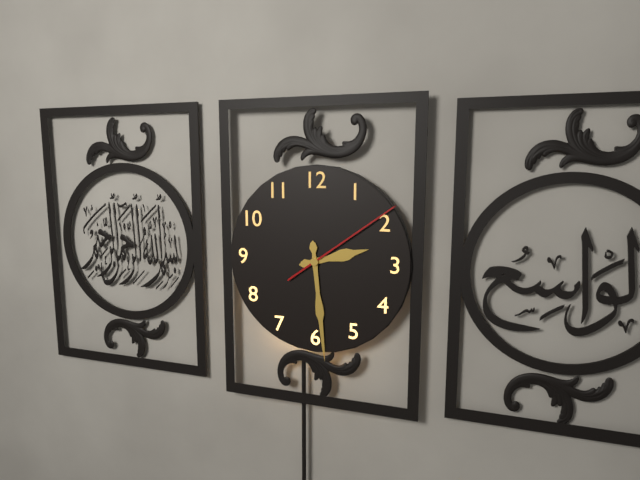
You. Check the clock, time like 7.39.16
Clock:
2.29.09
